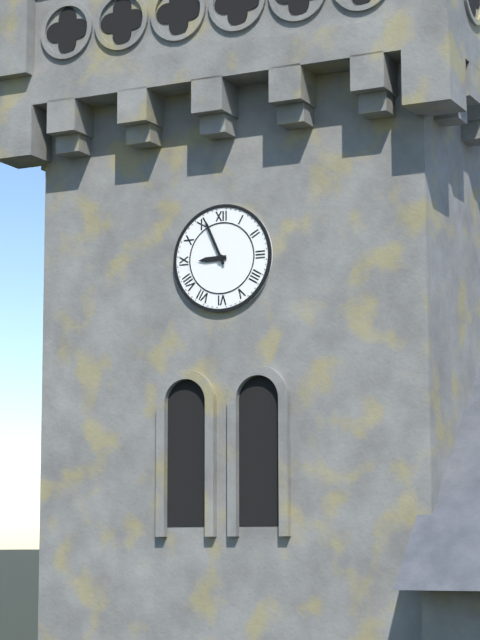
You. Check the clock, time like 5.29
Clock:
8.56
